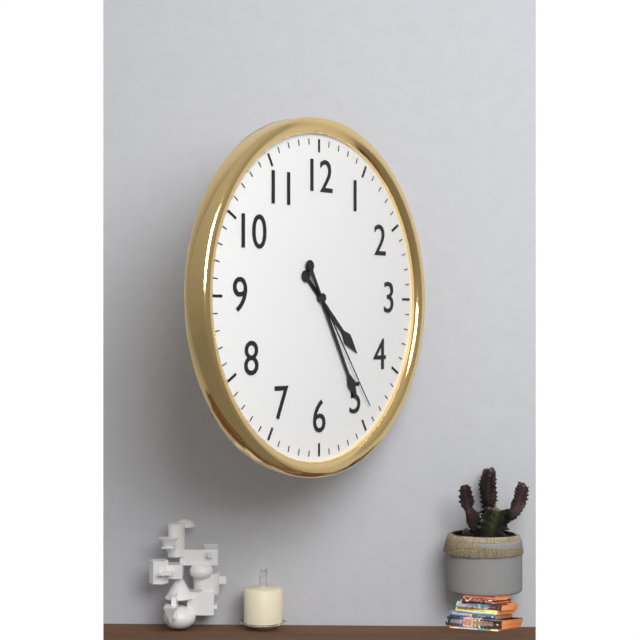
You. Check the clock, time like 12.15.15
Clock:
4.25.24
